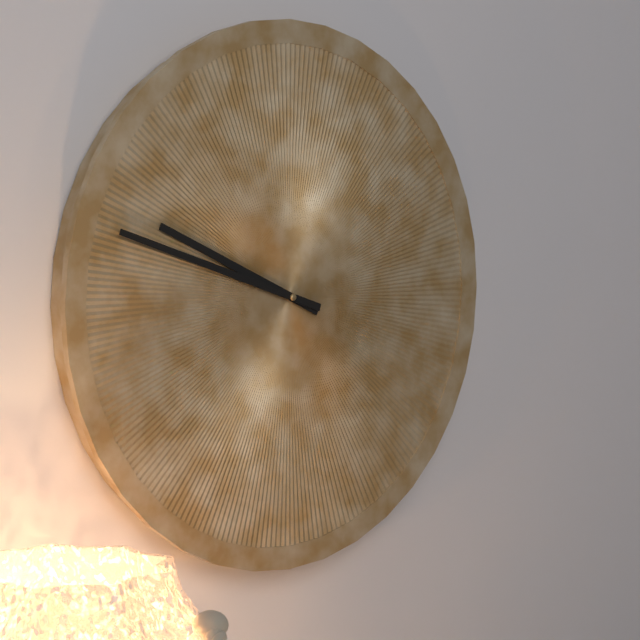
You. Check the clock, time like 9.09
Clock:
9.48
